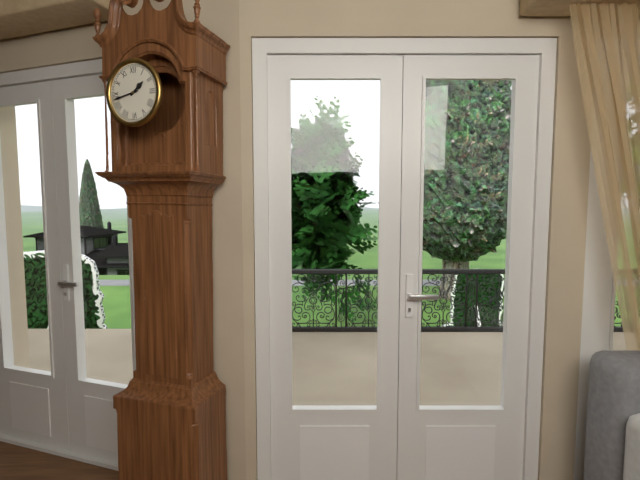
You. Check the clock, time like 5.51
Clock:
1.43
